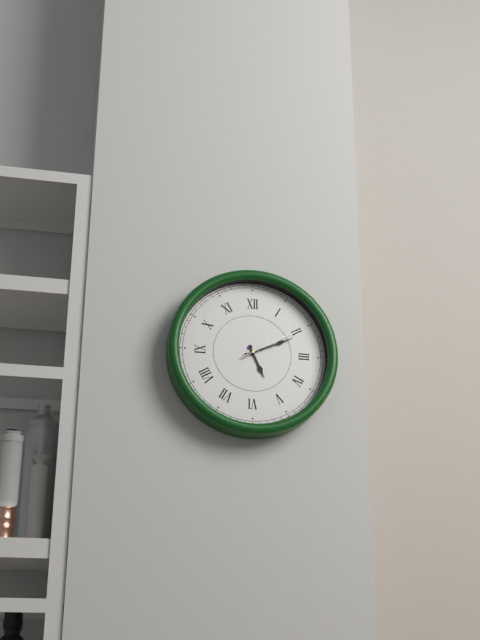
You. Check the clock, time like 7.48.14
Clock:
5.11.10
